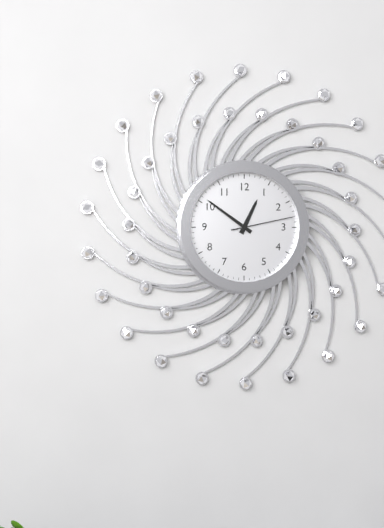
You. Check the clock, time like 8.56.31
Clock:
12.51.13
